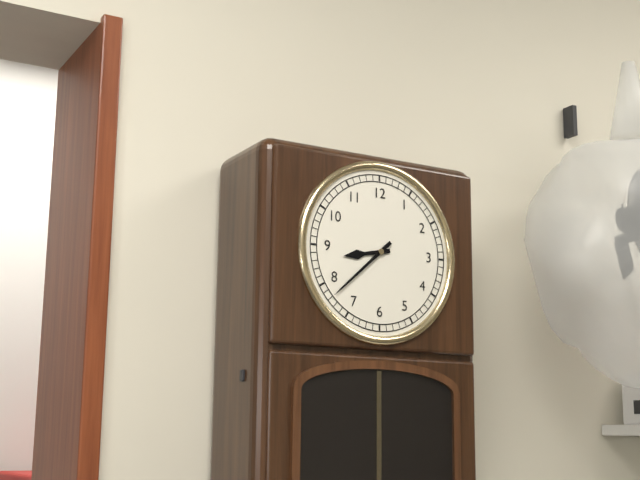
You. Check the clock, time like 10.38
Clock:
8.38
